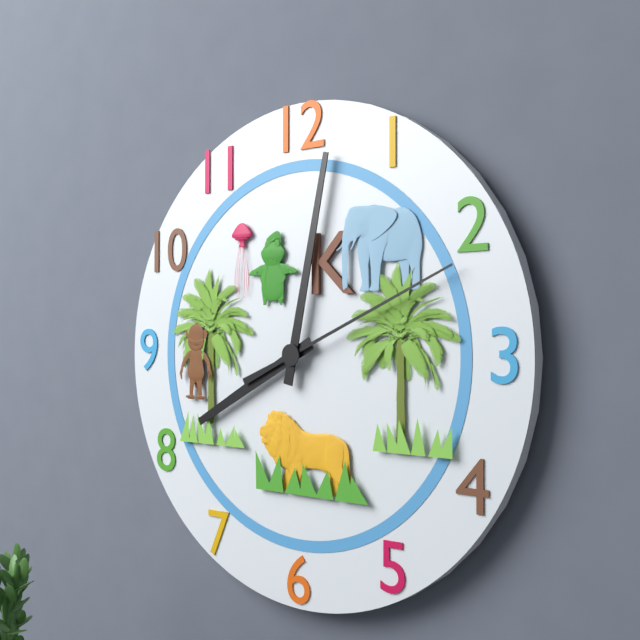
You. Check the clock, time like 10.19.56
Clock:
8.02.11
